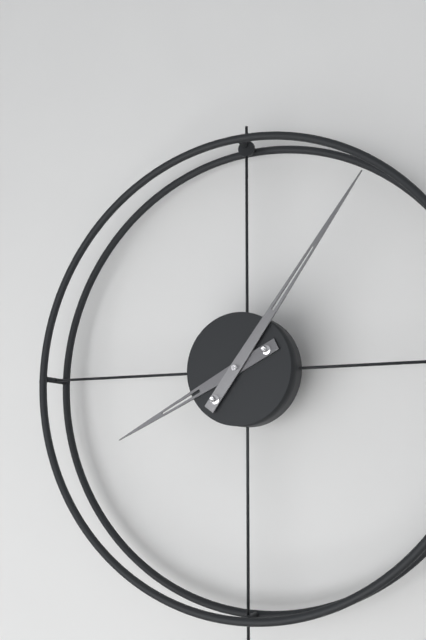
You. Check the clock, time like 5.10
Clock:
8.06
